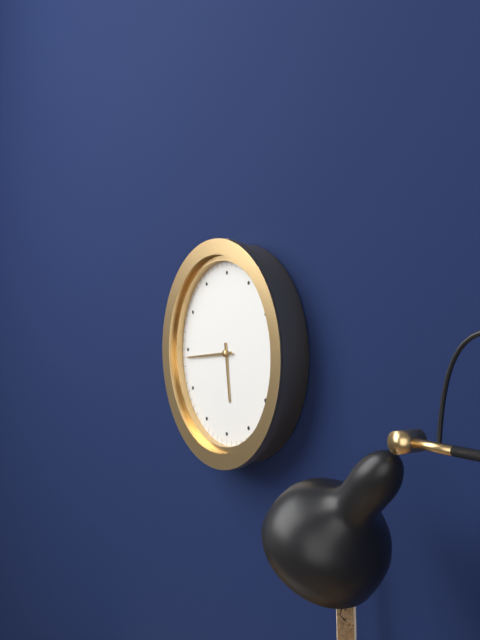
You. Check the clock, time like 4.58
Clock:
5.44
